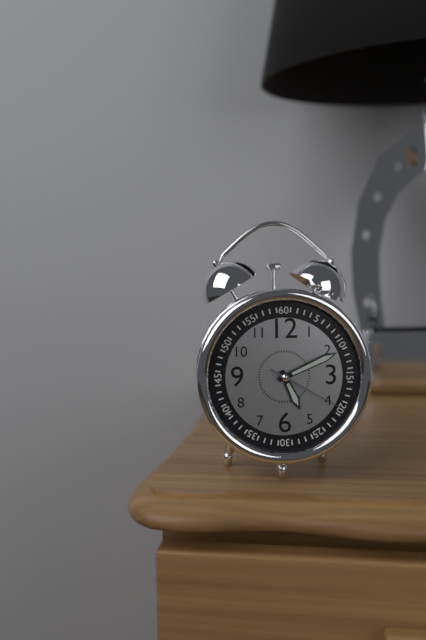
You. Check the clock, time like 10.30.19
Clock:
5.11.20
